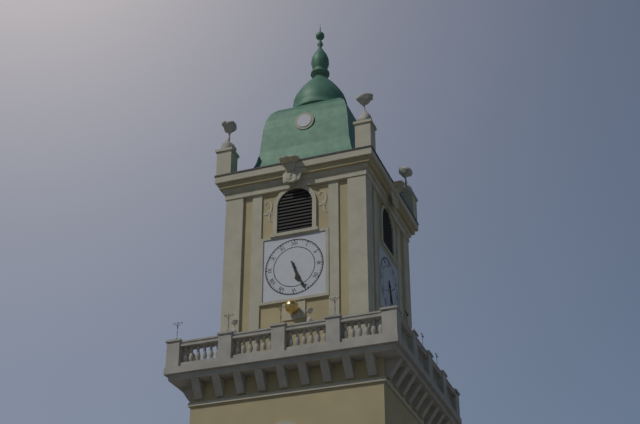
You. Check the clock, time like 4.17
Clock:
5.26
